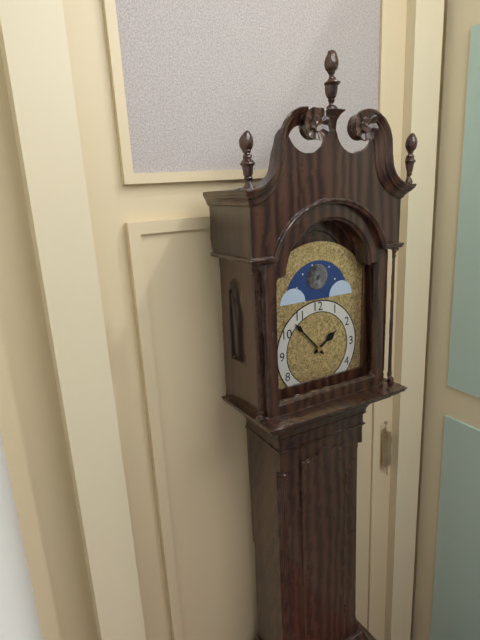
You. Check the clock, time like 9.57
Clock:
1.53
